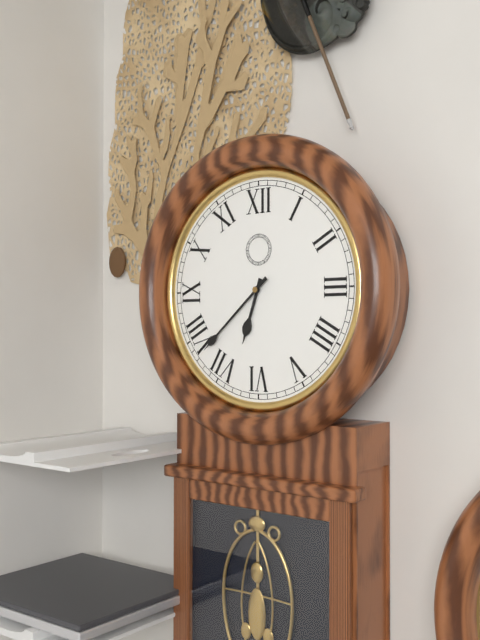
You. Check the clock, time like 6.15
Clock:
6.38
